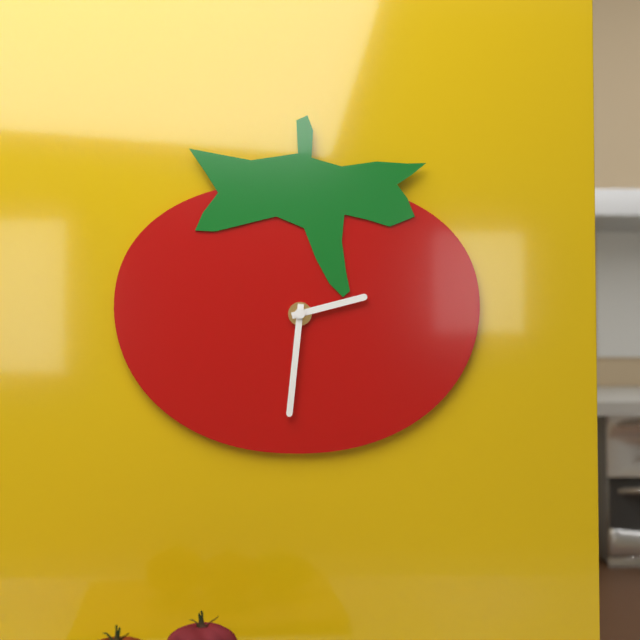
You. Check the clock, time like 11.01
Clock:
2.31
